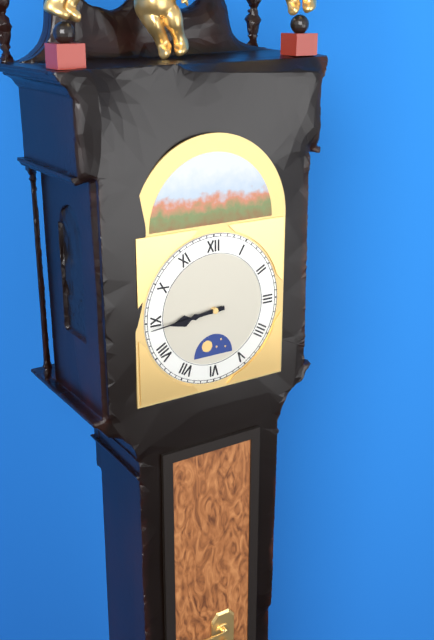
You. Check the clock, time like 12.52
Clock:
8.44
